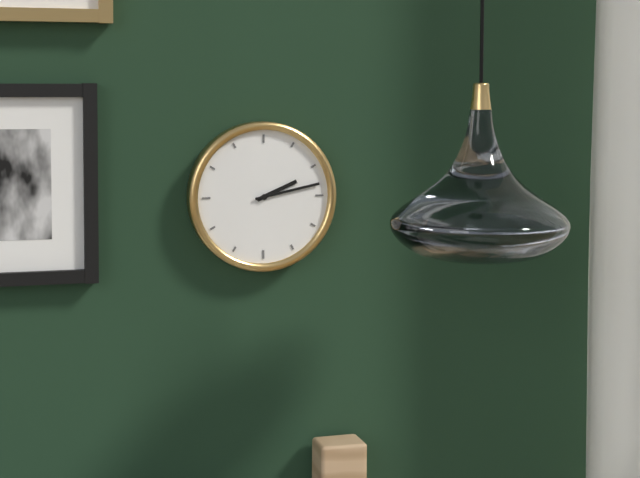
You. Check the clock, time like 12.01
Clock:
2.13
